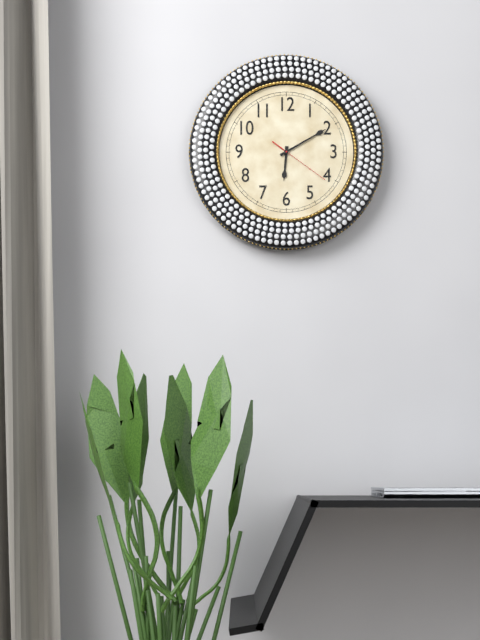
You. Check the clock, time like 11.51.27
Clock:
6.10.21
